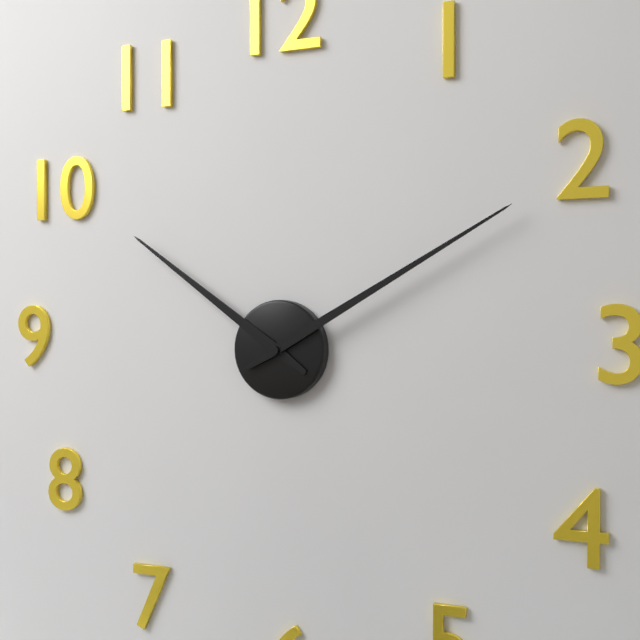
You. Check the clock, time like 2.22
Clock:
10.10
